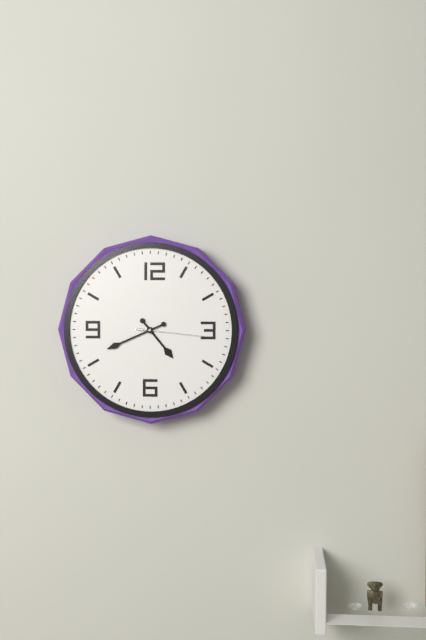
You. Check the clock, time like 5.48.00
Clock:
4.41.16
